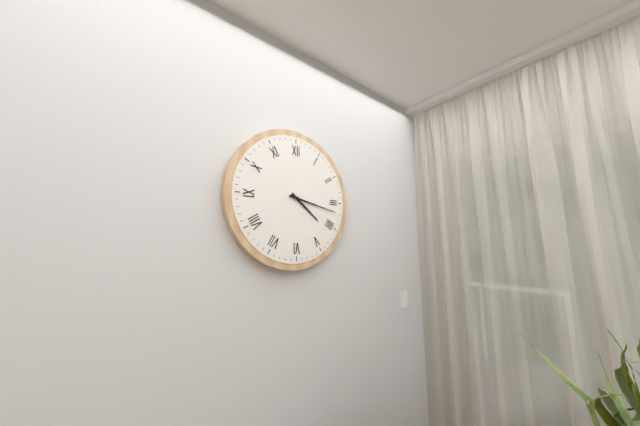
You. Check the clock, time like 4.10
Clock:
4.17
